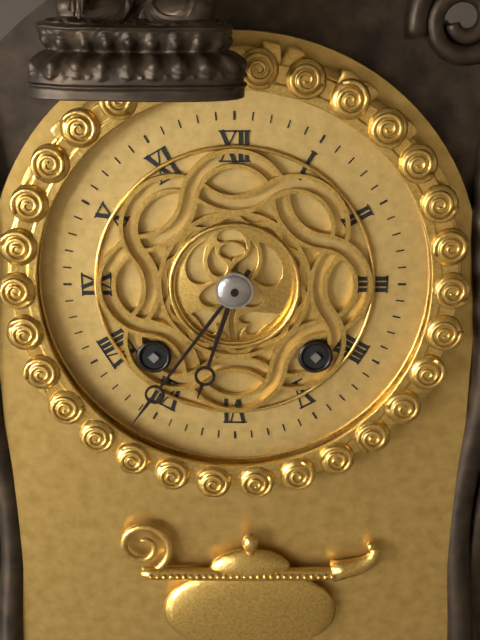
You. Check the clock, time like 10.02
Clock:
6.36
